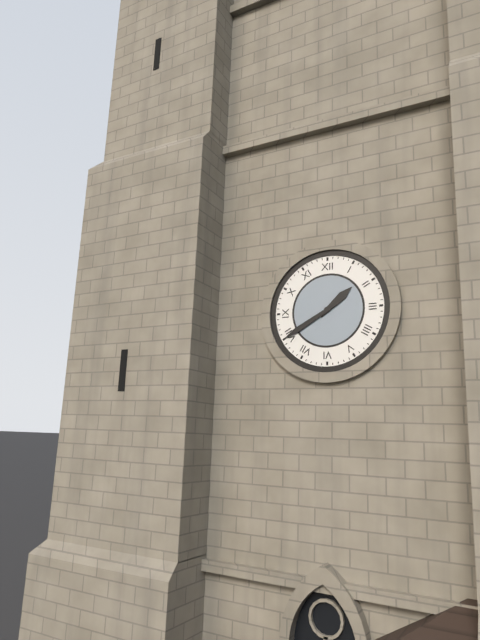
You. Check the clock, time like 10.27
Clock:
1.40
